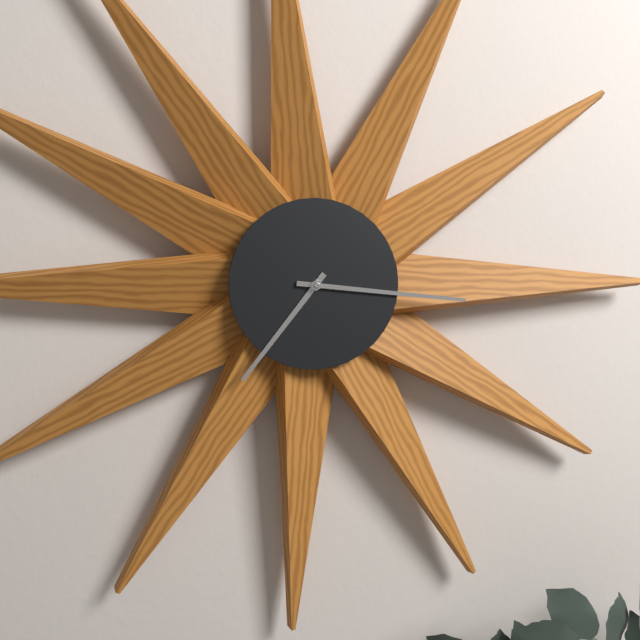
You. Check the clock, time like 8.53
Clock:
7.16
